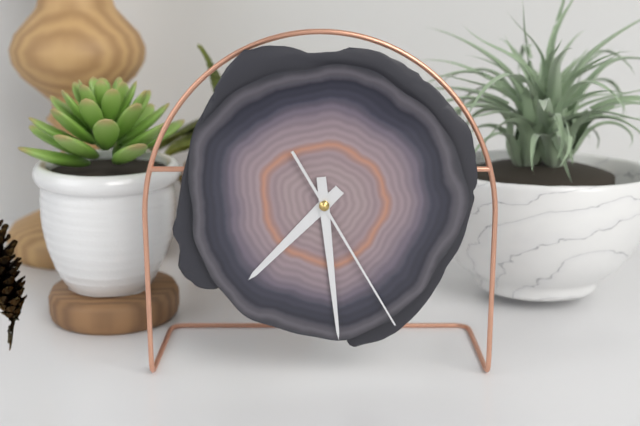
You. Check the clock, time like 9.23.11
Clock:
7.29.25
